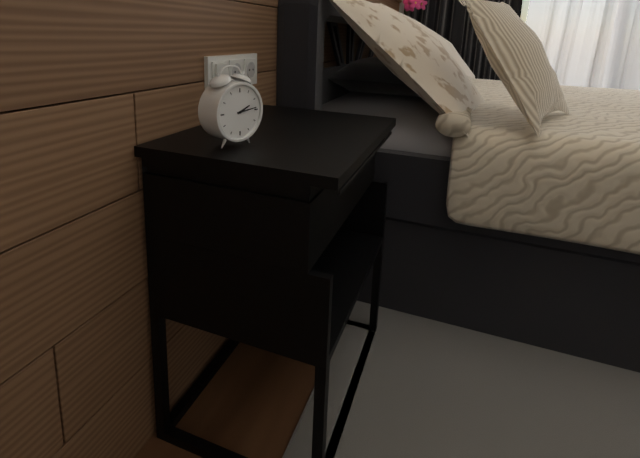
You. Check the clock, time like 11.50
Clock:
2.14
